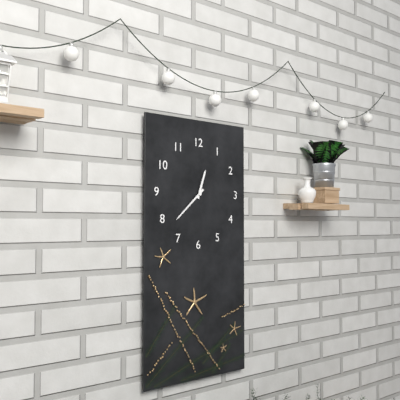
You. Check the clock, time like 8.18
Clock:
12.38
